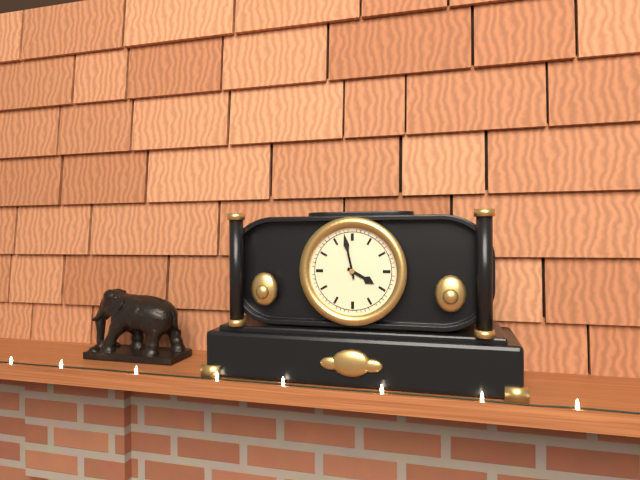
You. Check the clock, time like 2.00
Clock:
3.58
